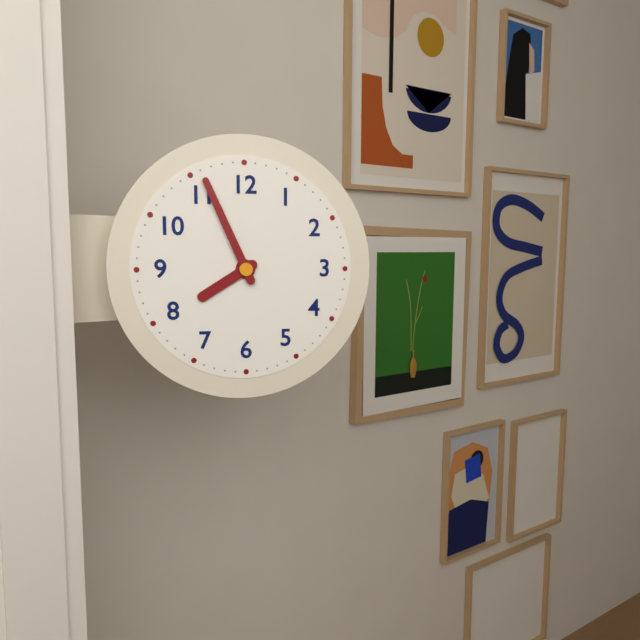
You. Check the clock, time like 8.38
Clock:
7.56
